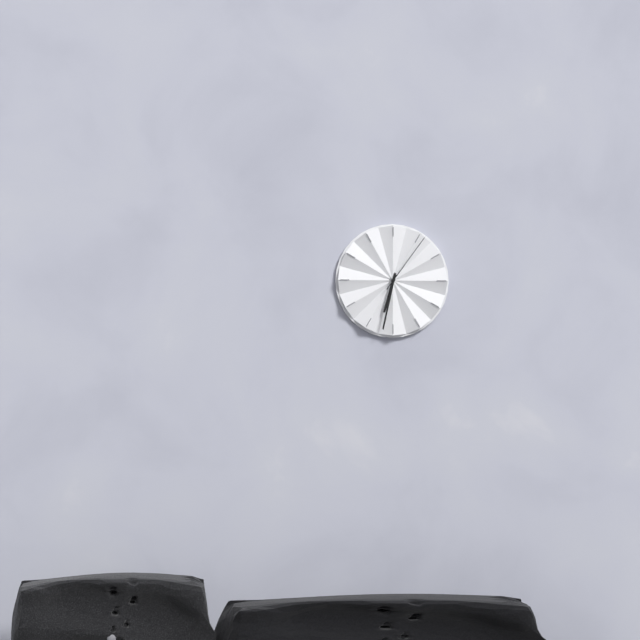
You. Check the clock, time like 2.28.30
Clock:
6.32.06
